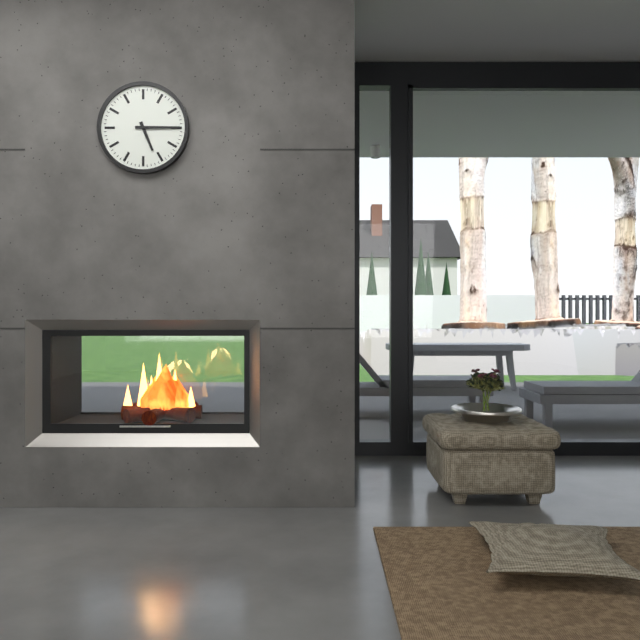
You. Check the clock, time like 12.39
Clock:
5.15
